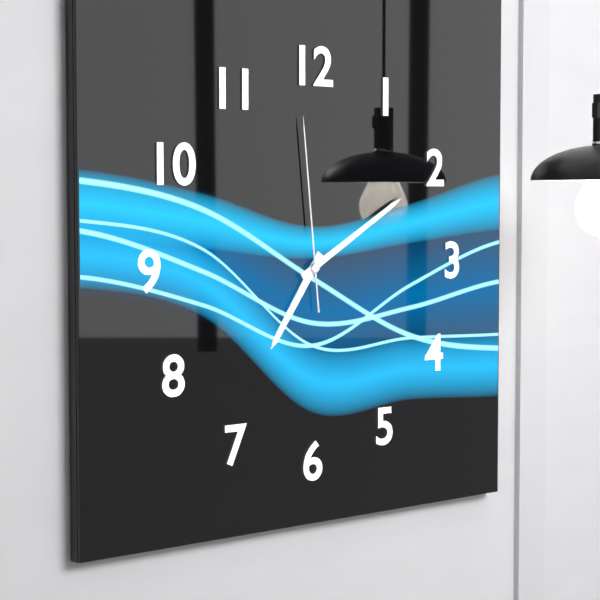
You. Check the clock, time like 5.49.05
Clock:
7.10.59
